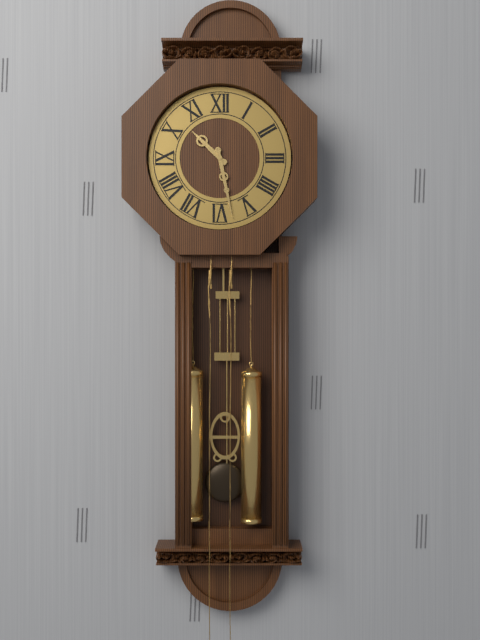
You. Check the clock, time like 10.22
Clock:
10.28
